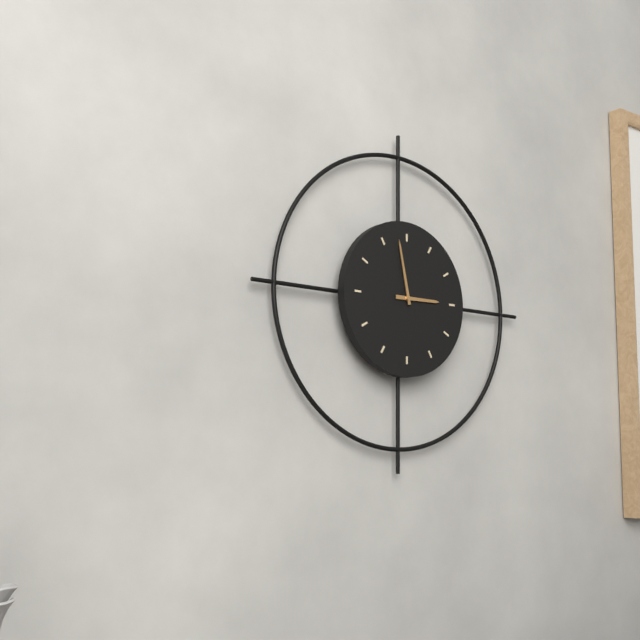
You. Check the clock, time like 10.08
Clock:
2.58
